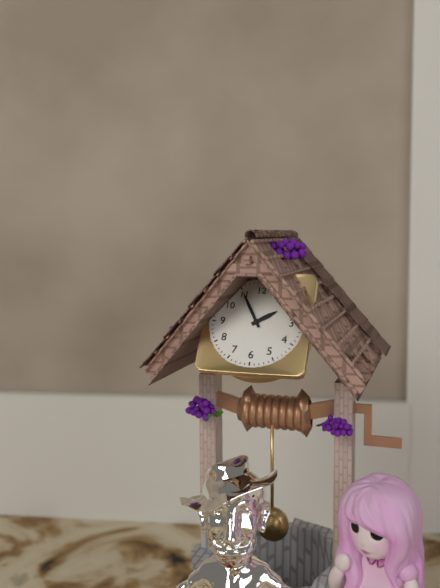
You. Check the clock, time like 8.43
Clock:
1.55
